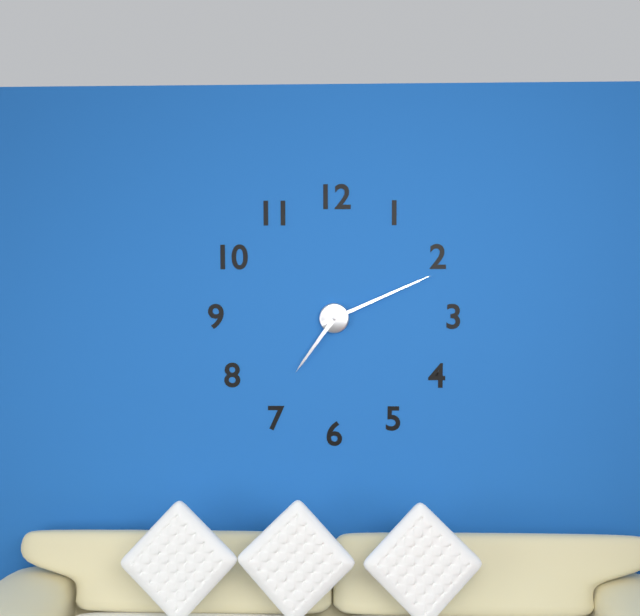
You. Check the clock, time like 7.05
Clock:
7.11
